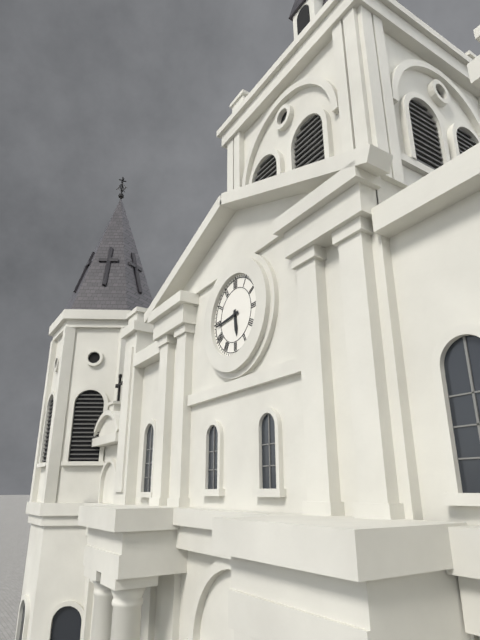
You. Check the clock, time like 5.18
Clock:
5.44
